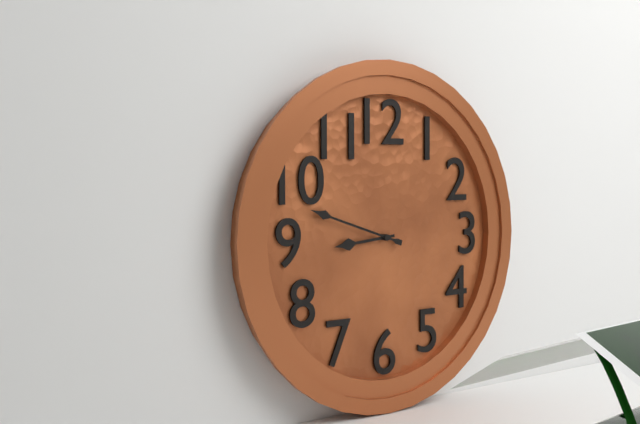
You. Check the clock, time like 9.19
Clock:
8.48
